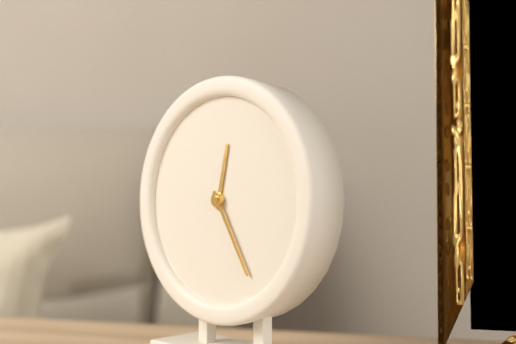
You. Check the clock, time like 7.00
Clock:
12.25
